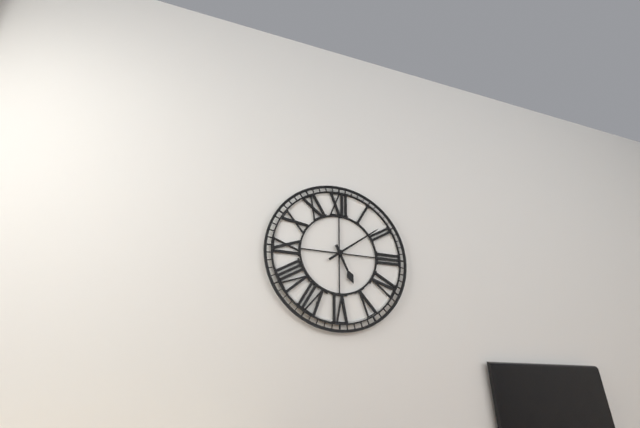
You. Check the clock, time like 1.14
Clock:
5.09
